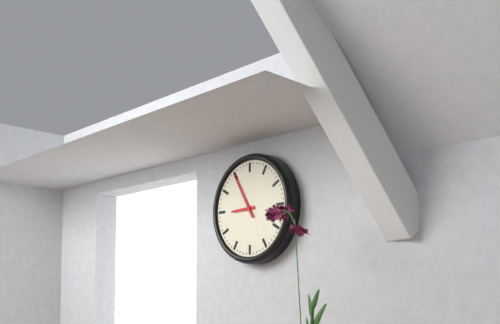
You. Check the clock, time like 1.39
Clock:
8.55
